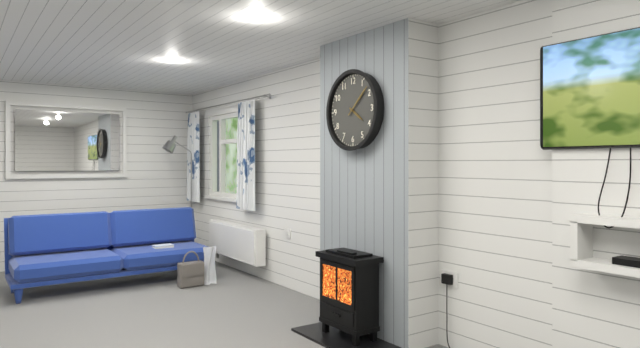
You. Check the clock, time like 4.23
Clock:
4.08
